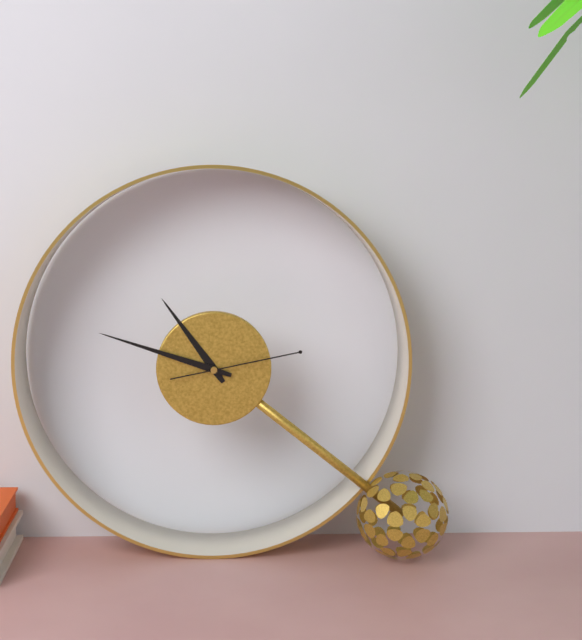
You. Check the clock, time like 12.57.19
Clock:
10.48.13
